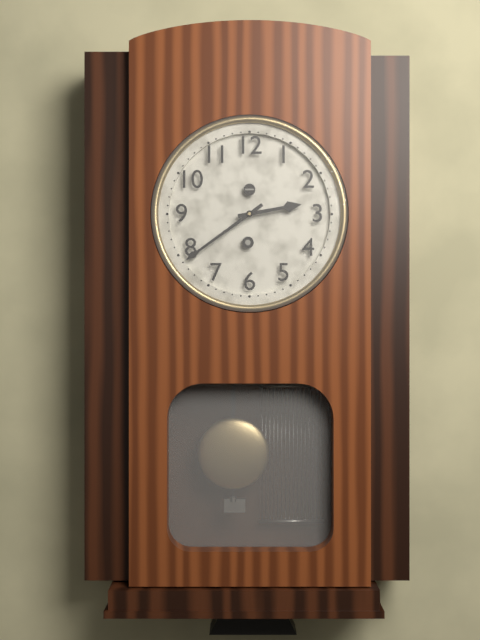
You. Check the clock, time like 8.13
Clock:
2.39
